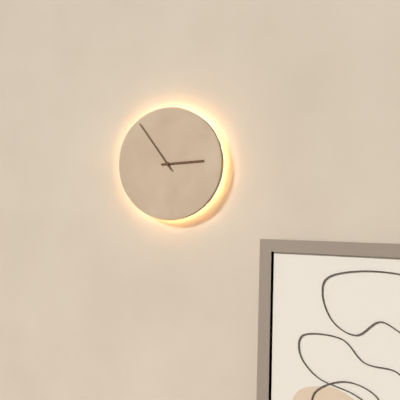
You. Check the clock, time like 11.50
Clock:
2.54
